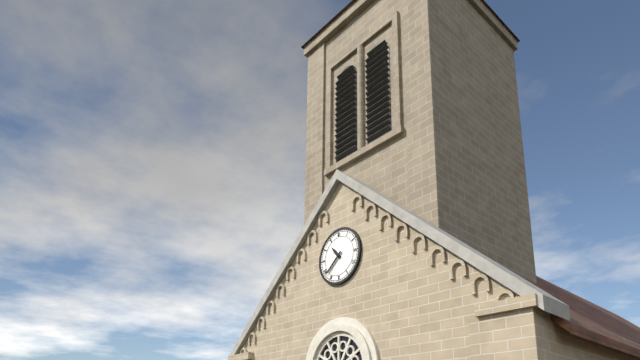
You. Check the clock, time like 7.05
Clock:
10.38
